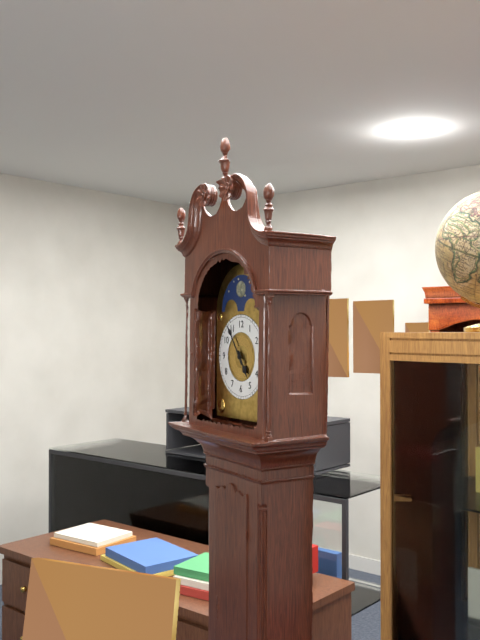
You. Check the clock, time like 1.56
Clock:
4.54
